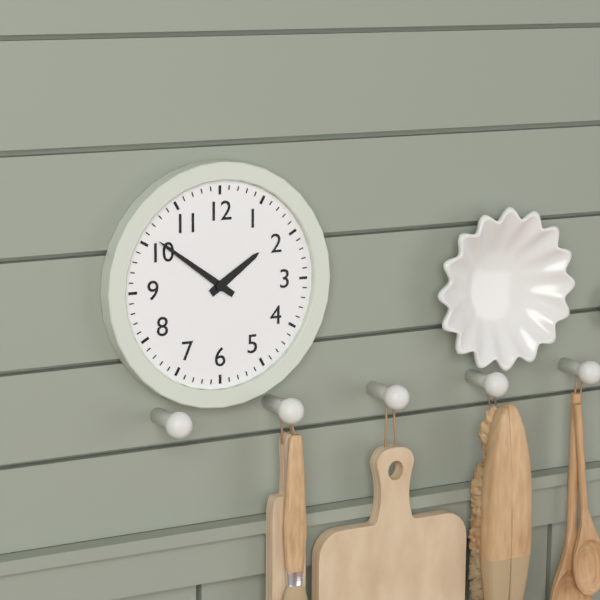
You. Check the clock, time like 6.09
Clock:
1.51
